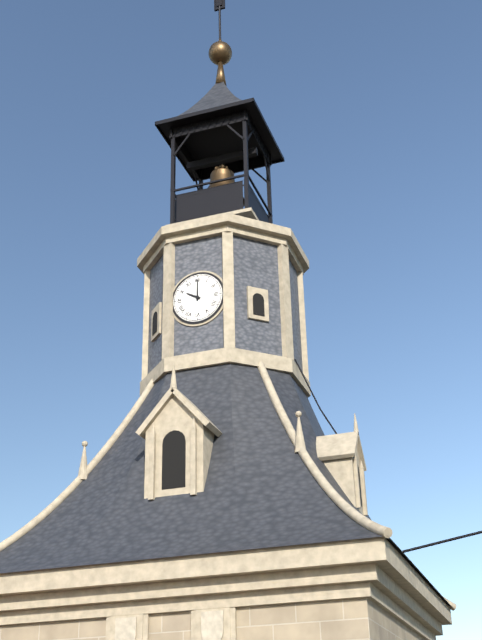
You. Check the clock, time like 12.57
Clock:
10.00
